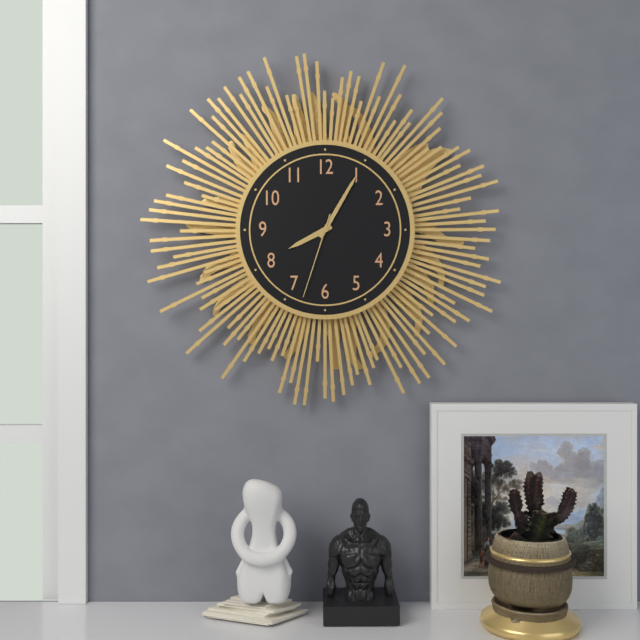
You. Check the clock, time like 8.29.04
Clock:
8.05.33
